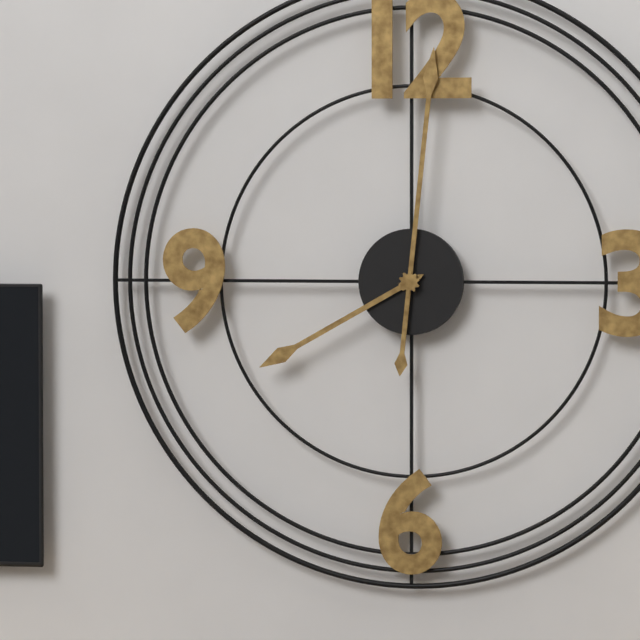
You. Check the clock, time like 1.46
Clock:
8.01
